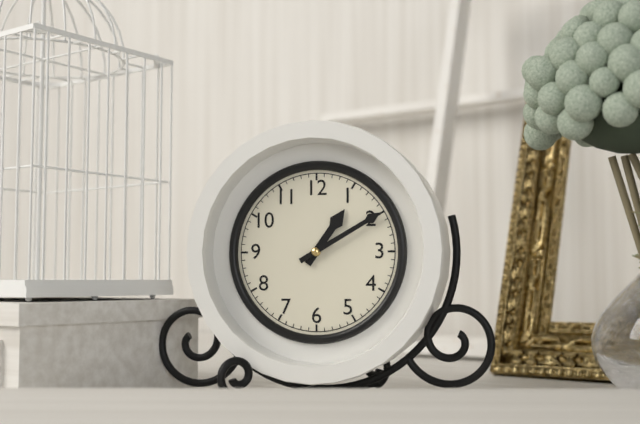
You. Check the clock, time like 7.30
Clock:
1.10
